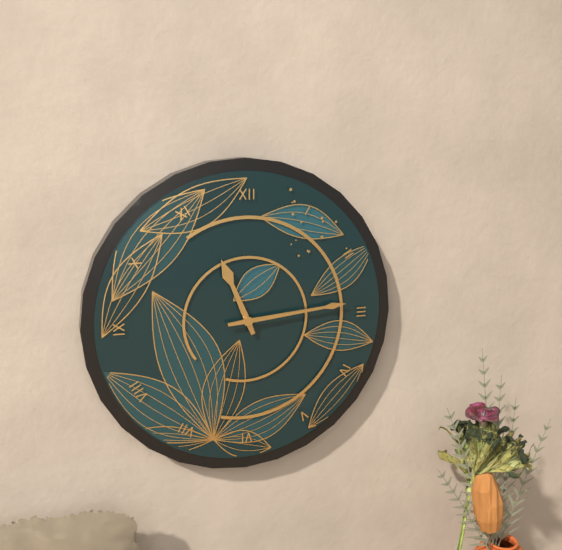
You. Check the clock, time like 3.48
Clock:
11.14
